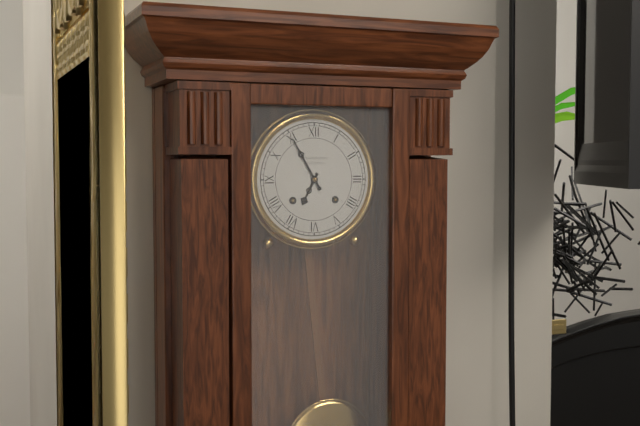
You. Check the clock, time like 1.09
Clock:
6.55
